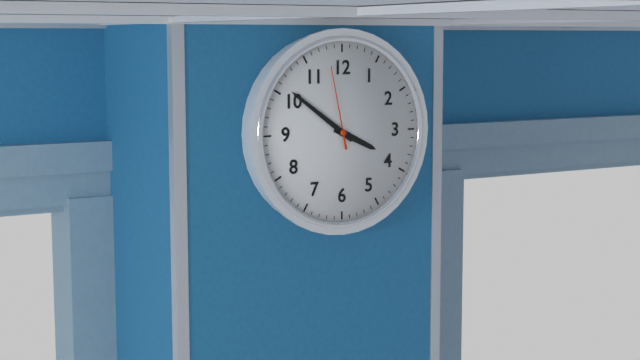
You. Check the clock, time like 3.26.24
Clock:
3.51.58
